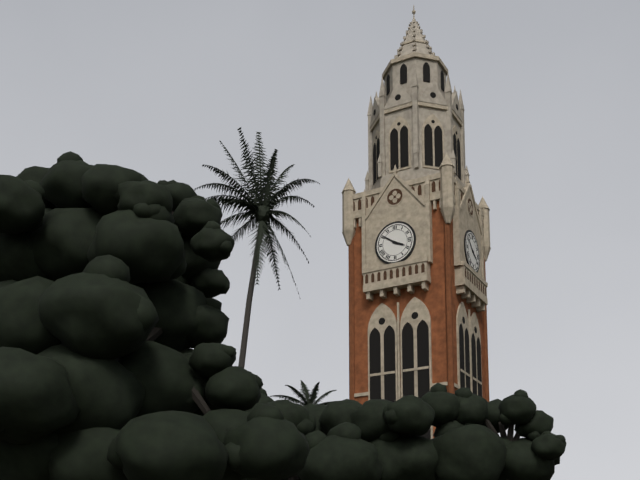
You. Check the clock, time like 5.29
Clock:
3.51
